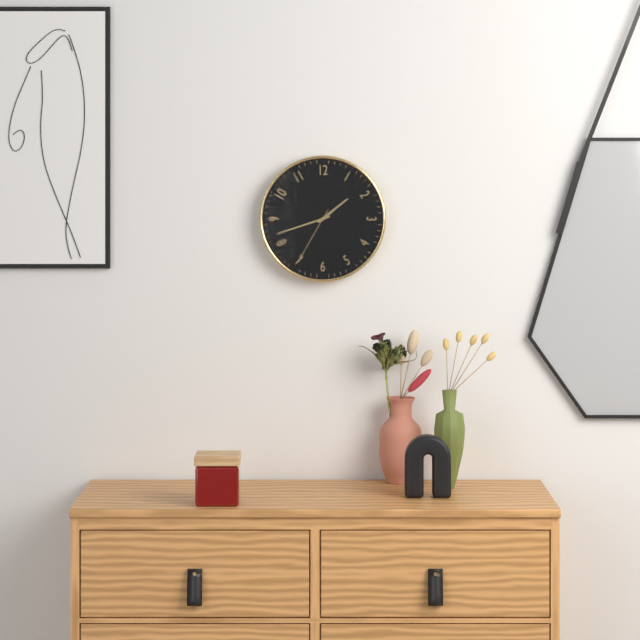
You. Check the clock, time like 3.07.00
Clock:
1.42.35
